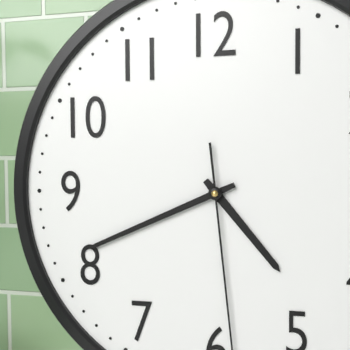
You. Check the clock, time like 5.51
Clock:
4.41
